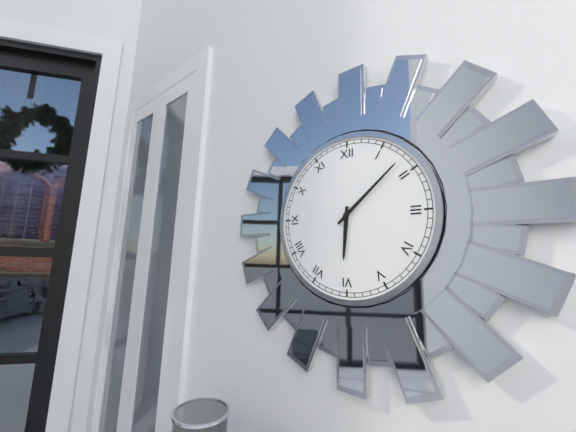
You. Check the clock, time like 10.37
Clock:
6.08
